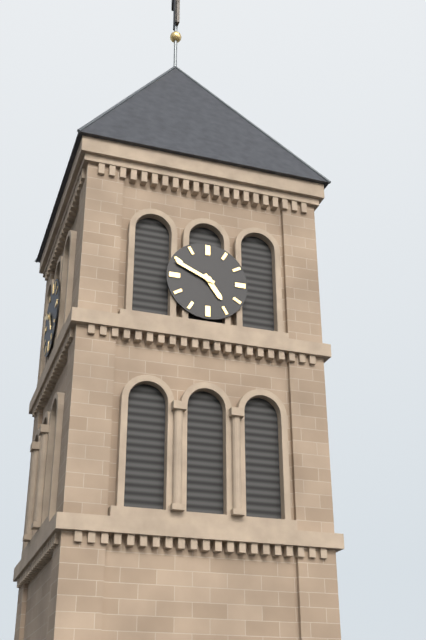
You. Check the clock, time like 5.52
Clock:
4.49
